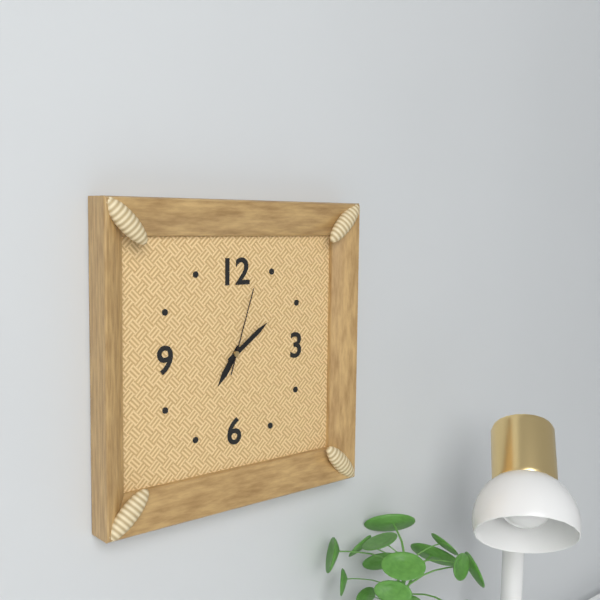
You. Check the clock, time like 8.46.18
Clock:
7.09.03
